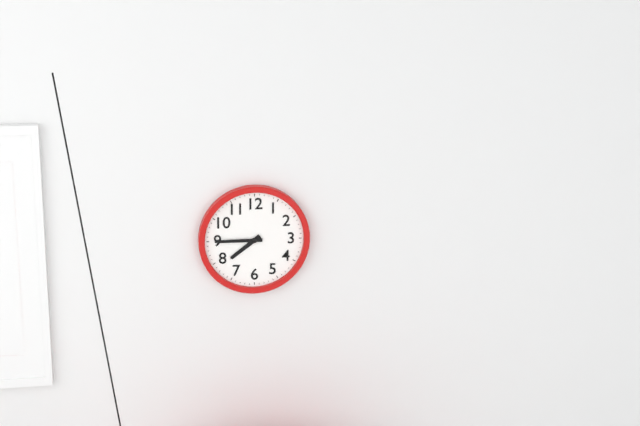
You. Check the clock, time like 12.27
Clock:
7.45
